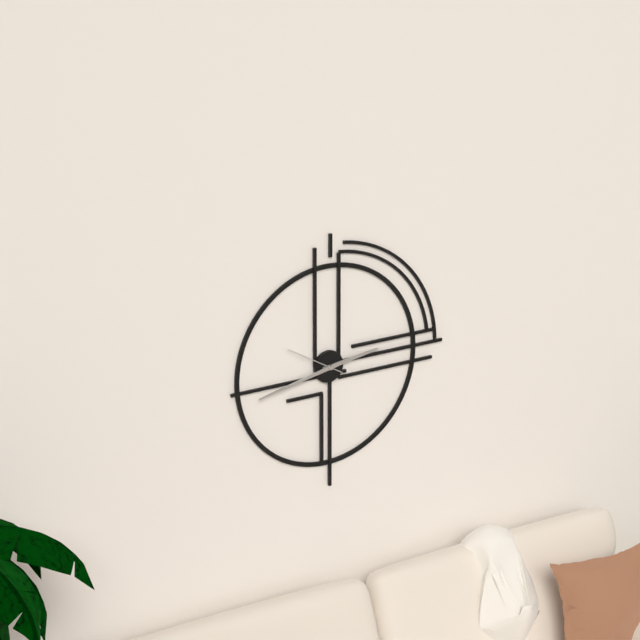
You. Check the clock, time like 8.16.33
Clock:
2.43.50
